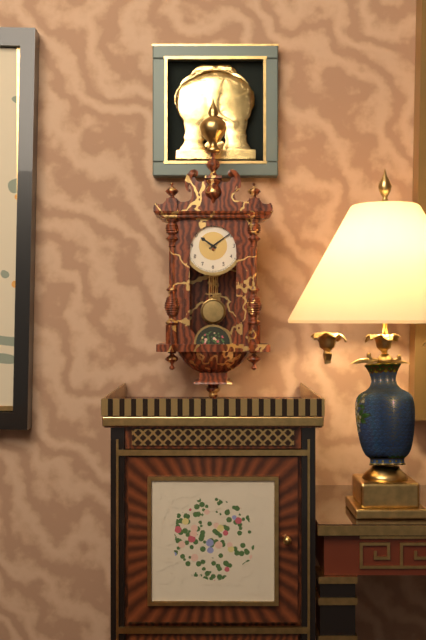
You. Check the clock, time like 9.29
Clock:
10.09
